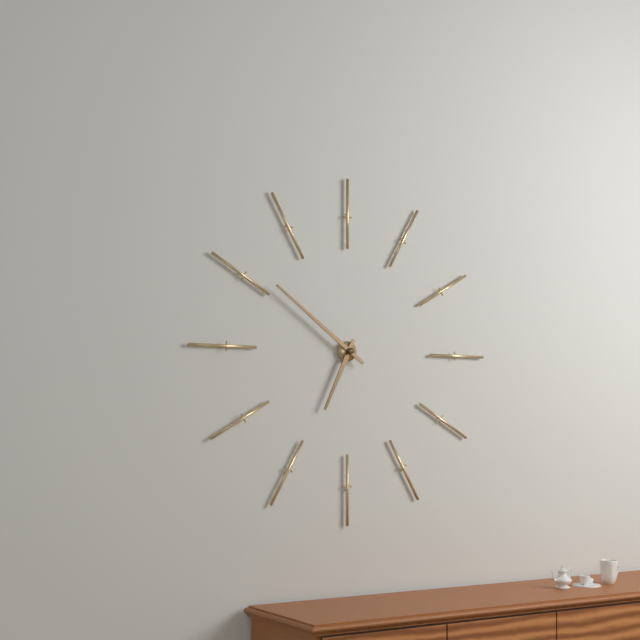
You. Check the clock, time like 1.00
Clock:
6.51
